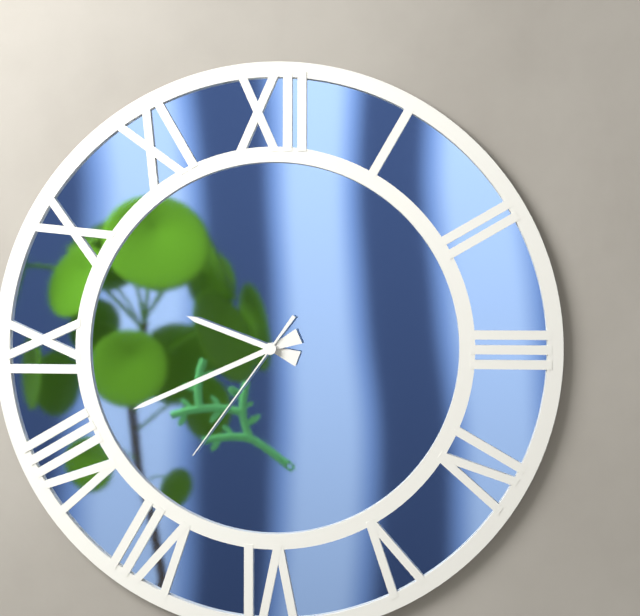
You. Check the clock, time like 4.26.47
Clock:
9.41.36
